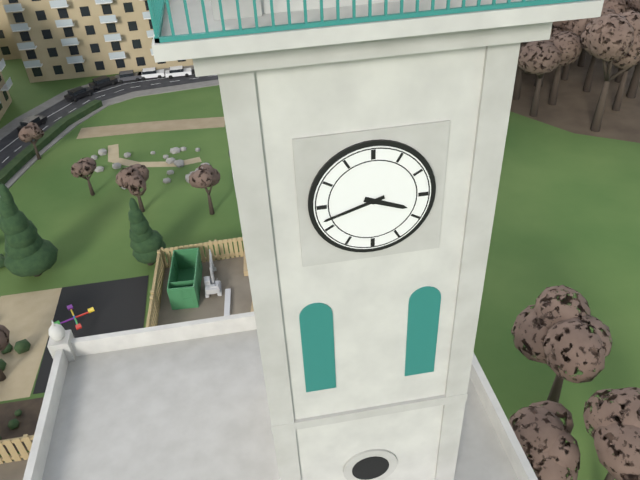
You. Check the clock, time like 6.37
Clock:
3.42
